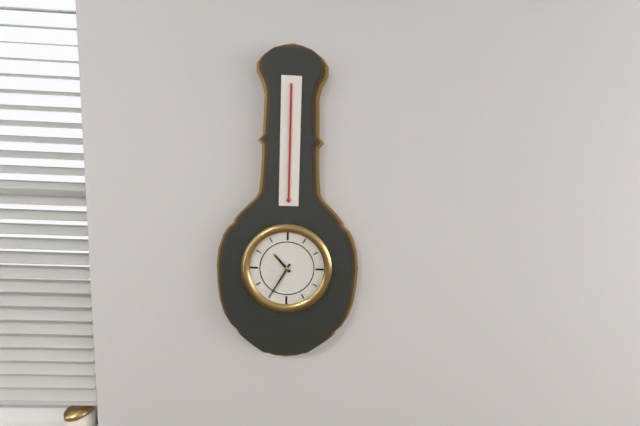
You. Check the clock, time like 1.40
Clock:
10.35
